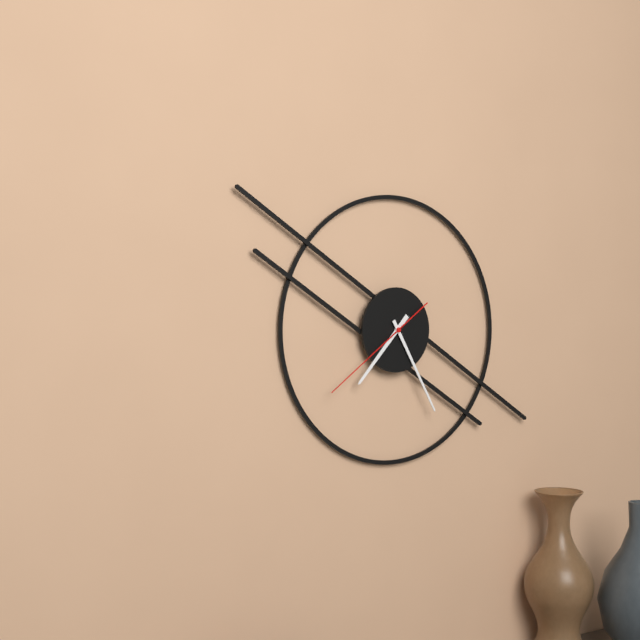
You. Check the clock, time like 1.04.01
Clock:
7.25.39
